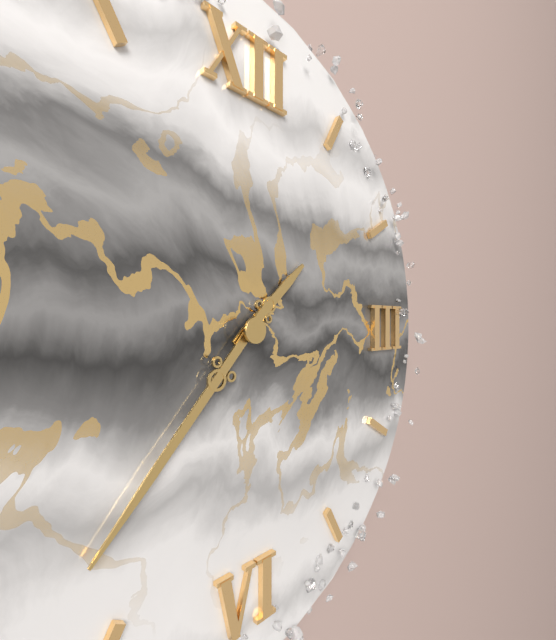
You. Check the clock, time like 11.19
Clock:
1.37
